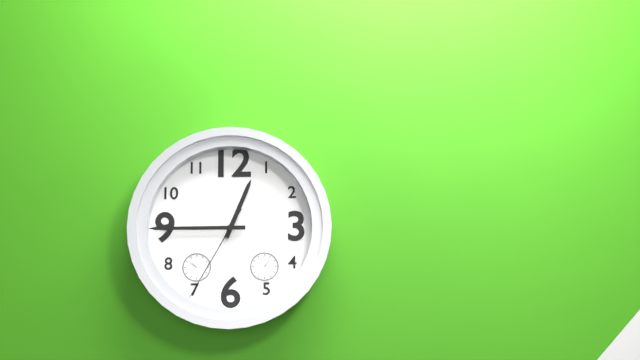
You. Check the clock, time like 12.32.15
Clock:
12.45.35
